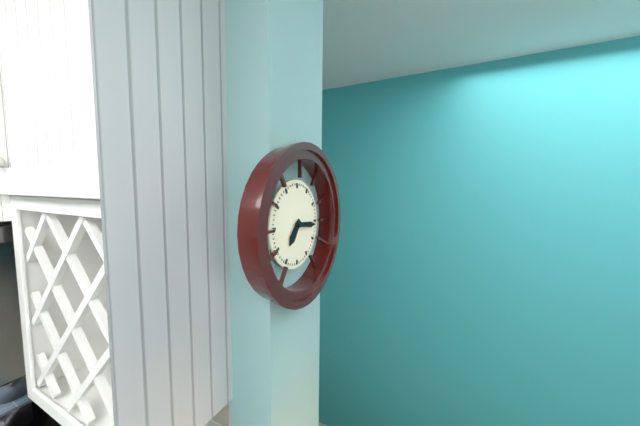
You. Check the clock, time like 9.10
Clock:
7.16
